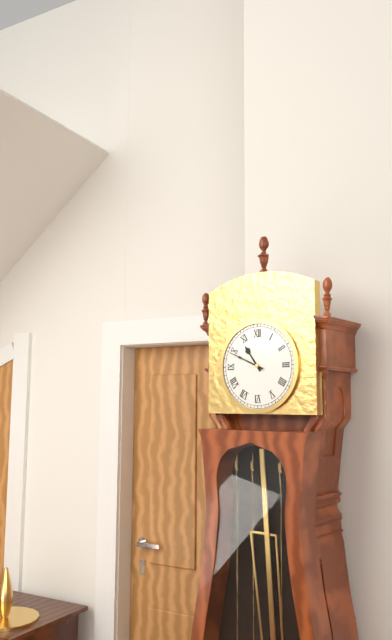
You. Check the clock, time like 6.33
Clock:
10.49
